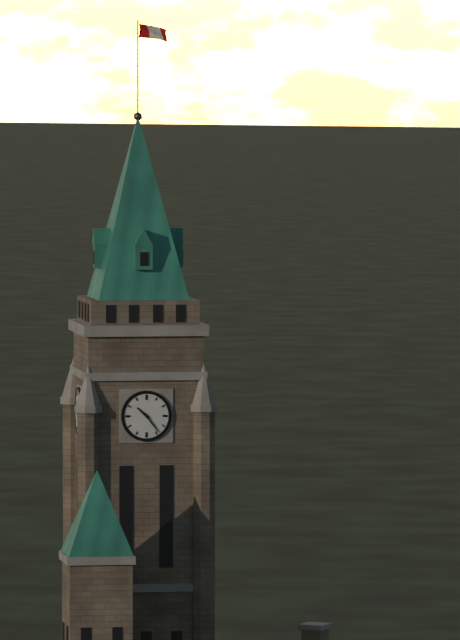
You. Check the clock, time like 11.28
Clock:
10.24
